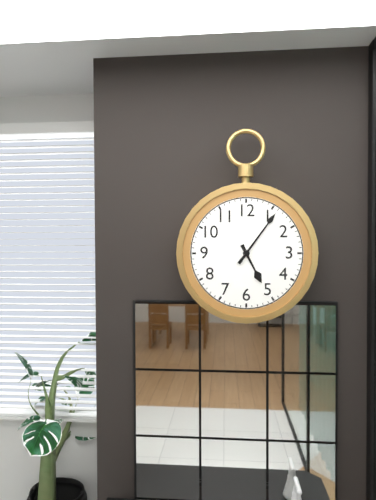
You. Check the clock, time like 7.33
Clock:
5.06
